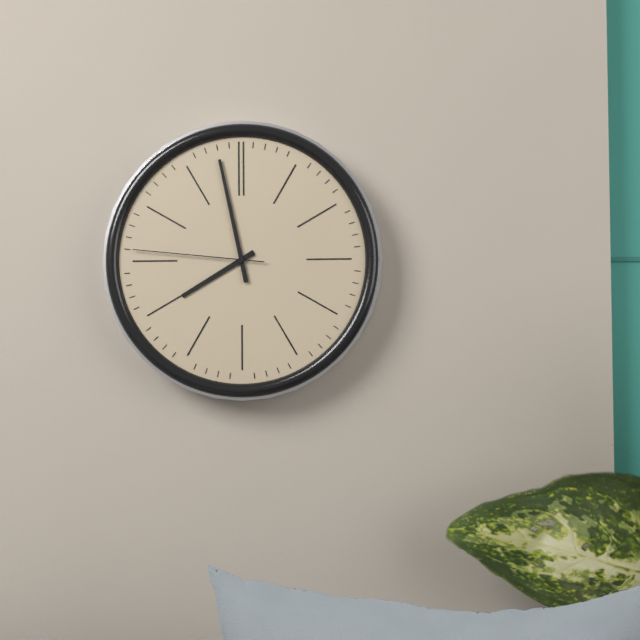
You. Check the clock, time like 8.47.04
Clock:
7.58.46
